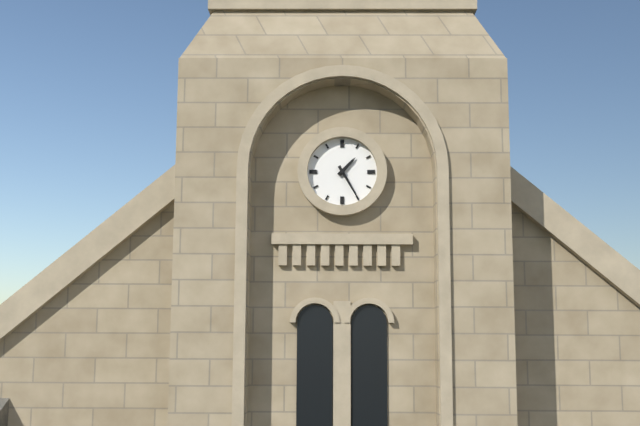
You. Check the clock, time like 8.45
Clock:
1.25
